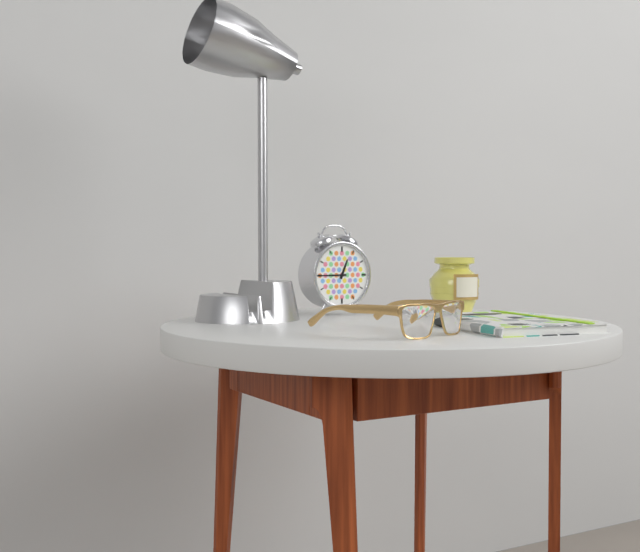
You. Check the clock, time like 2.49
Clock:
12.45
